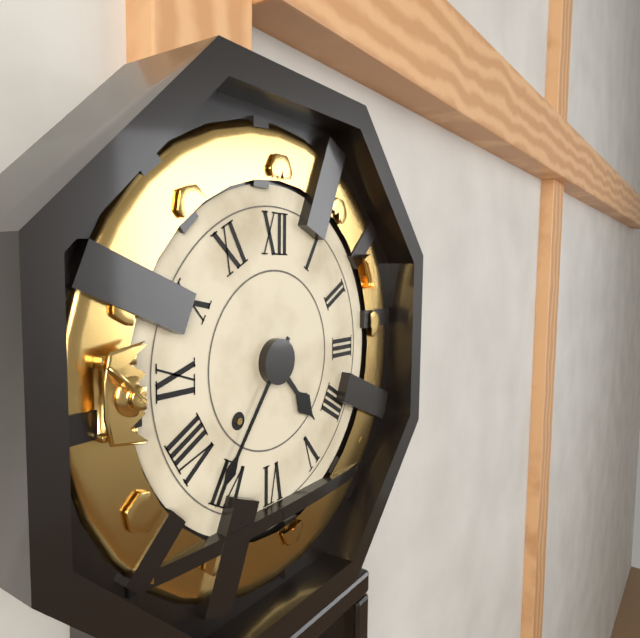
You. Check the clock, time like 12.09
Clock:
4.36
